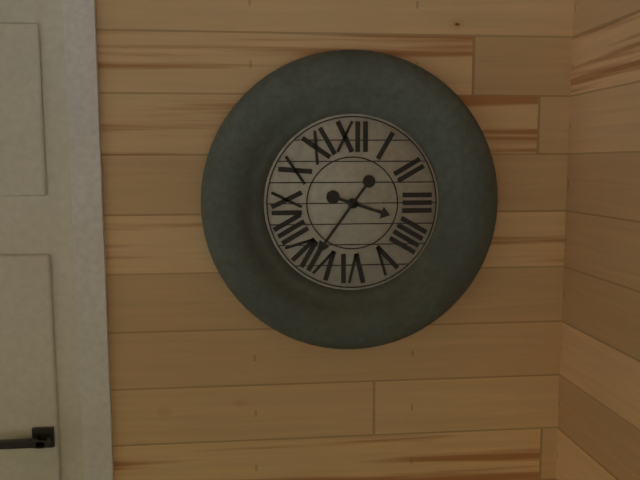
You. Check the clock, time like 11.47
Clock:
3.36
